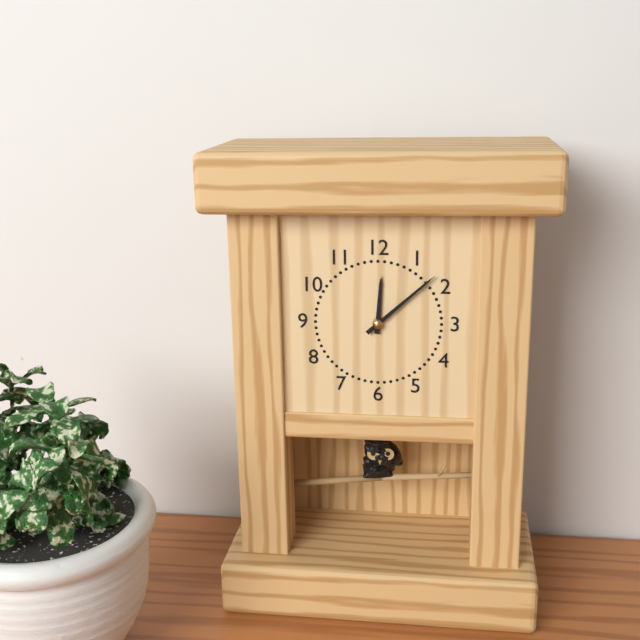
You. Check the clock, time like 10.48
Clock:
12.08
